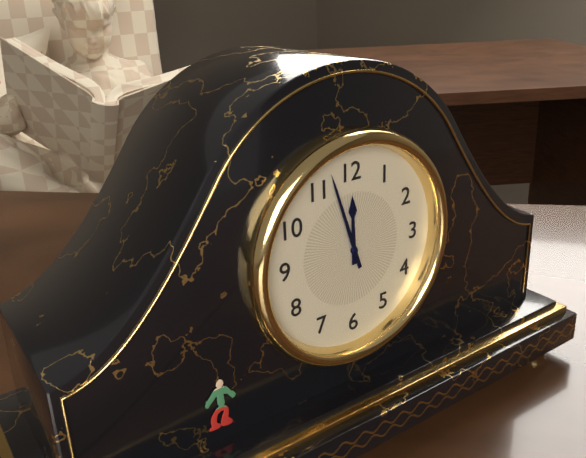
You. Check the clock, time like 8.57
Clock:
11.57
